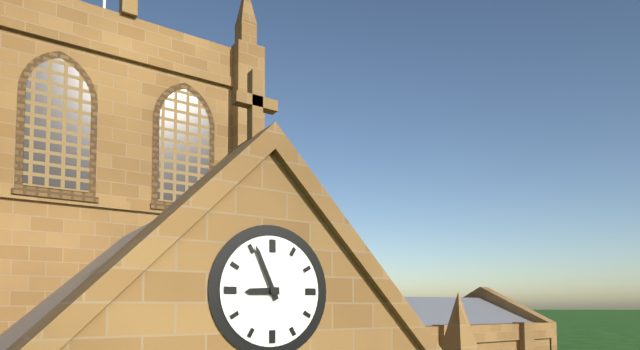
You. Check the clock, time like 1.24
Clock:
8.56
